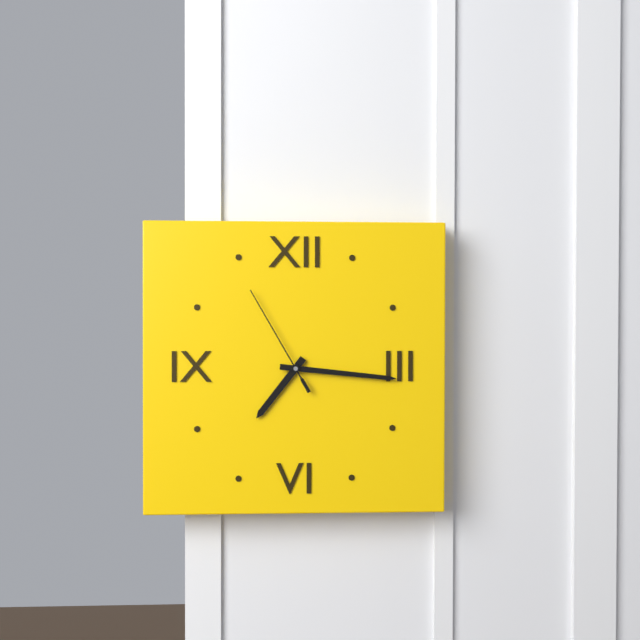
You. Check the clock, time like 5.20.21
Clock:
7.16.55
